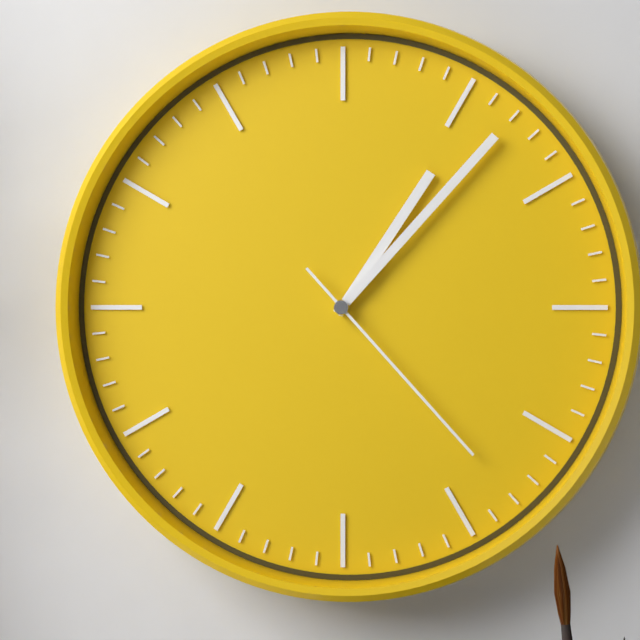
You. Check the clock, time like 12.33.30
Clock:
1.07.23
